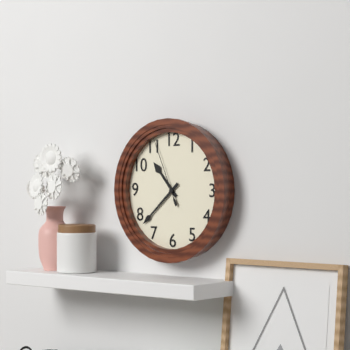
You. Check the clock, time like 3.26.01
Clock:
10.38.56
